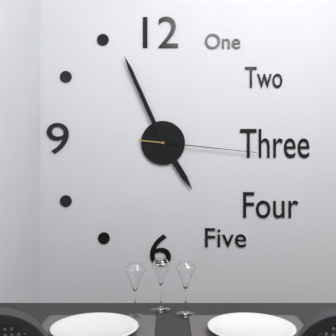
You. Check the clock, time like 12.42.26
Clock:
4.56.16
